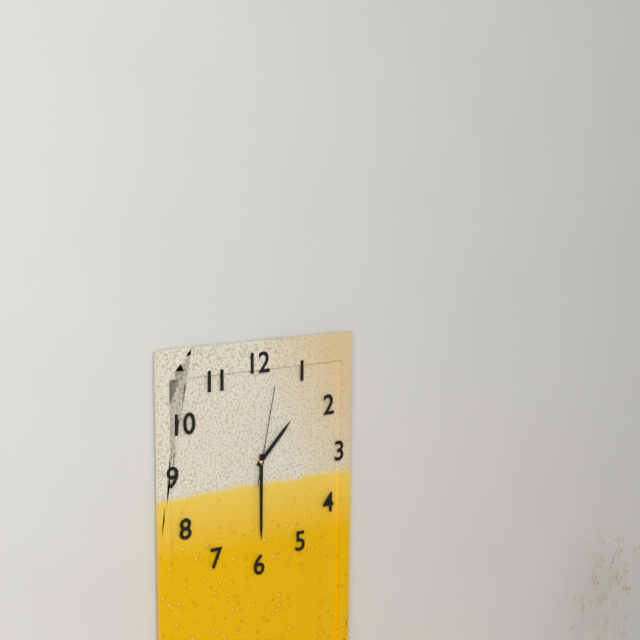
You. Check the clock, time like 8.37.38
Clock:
1.30.02
